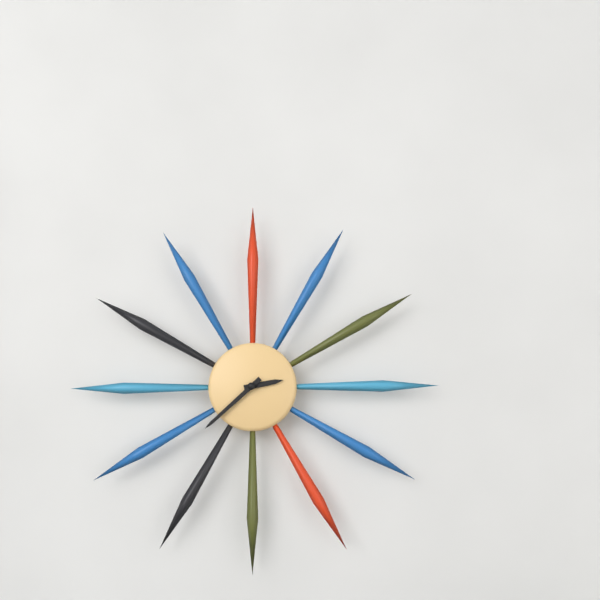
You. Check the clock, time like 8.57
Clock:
2.38
